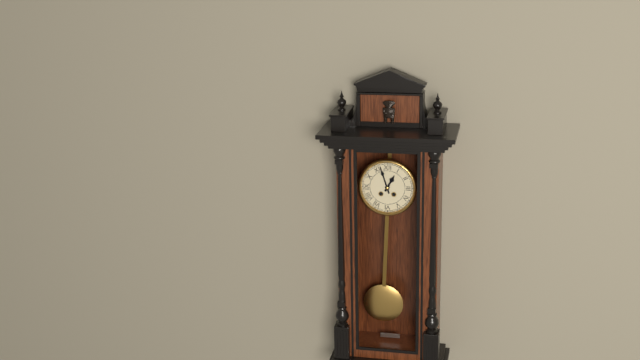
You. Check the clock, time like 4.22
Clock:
12.57
